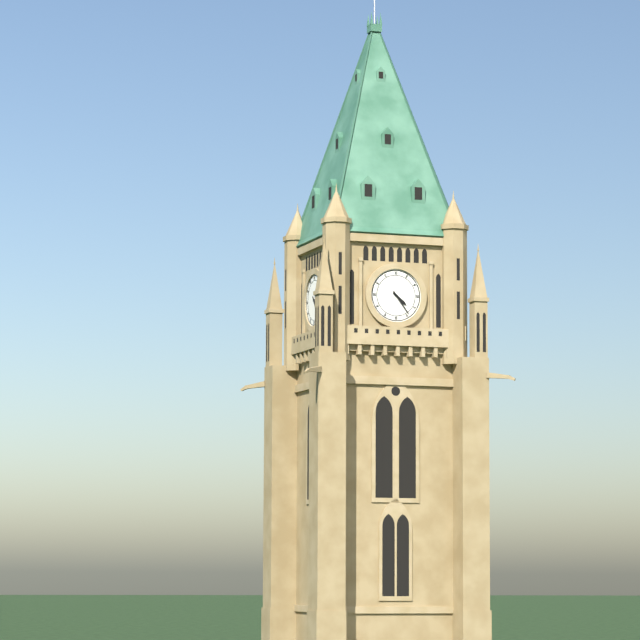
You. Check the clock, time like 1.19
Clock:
4.24
